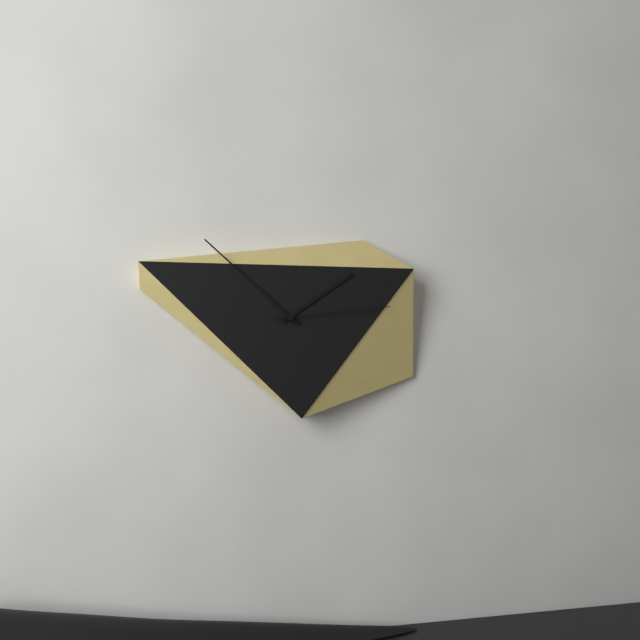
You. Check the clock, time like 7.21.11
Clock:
1.52.14
